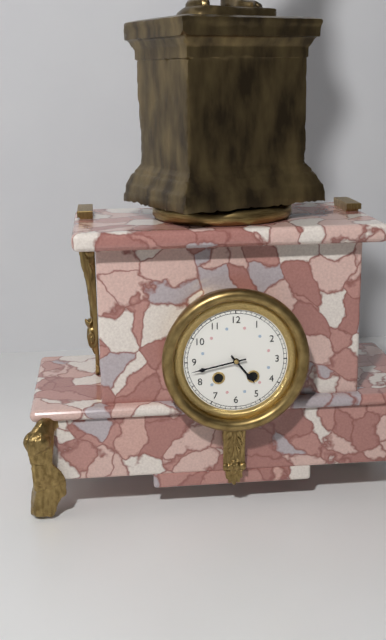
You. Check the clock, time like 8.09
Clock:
4.43
